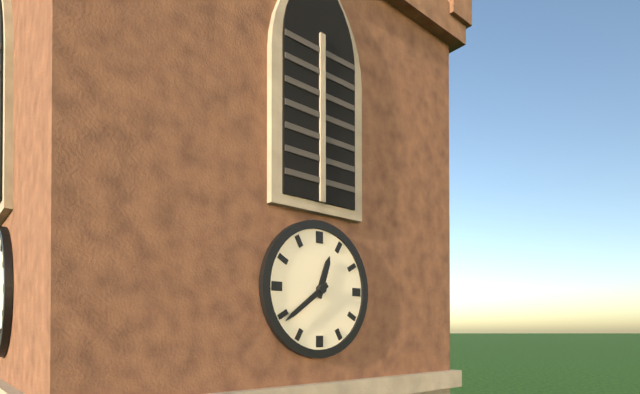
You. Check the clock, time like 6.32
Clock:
12.39
